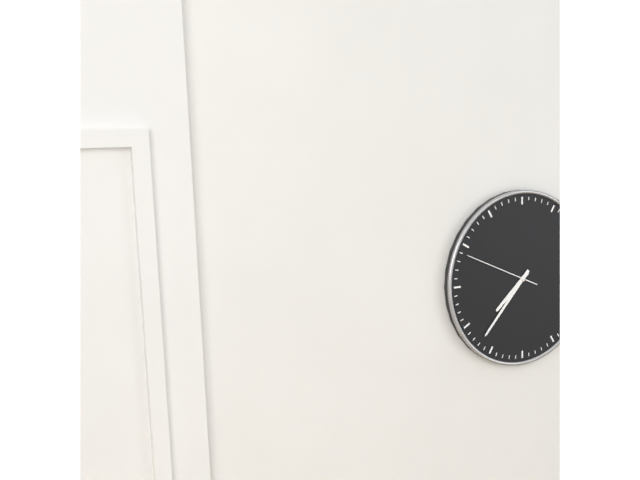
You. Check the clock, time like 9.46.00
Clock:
7.37.49
